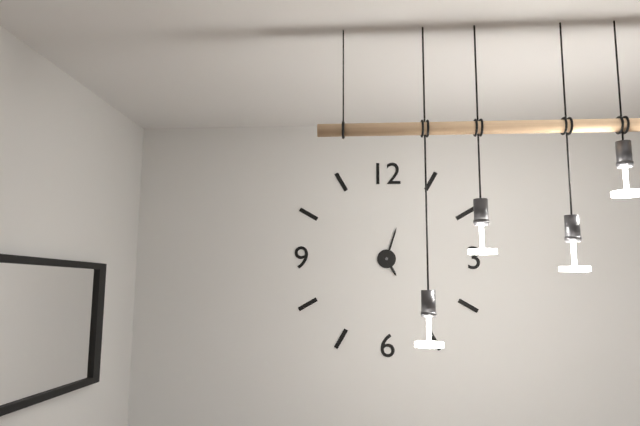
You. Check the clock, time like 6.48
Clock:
5.03
